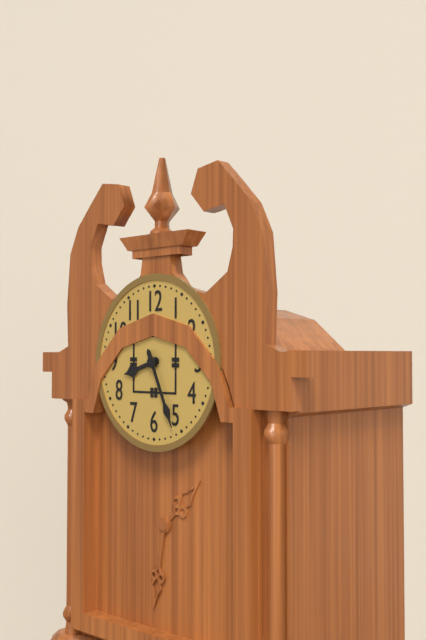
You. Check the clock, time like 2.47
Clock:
8.26
